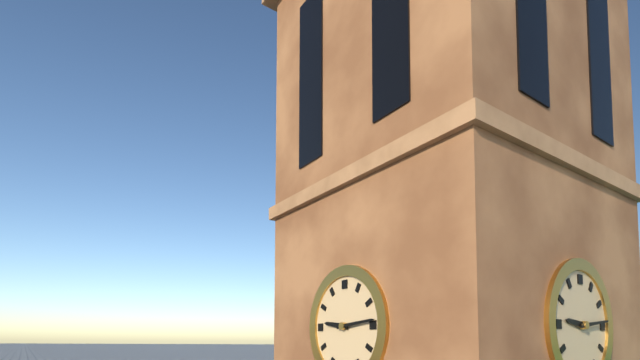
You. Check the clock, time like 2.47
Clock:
9.14
